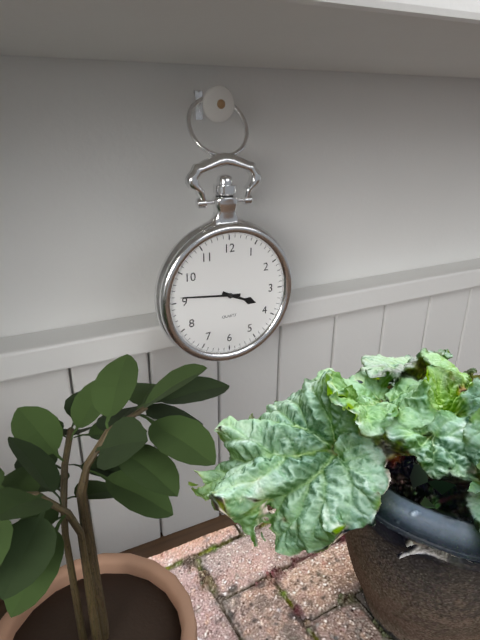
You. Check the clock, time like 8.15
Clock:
3.46
